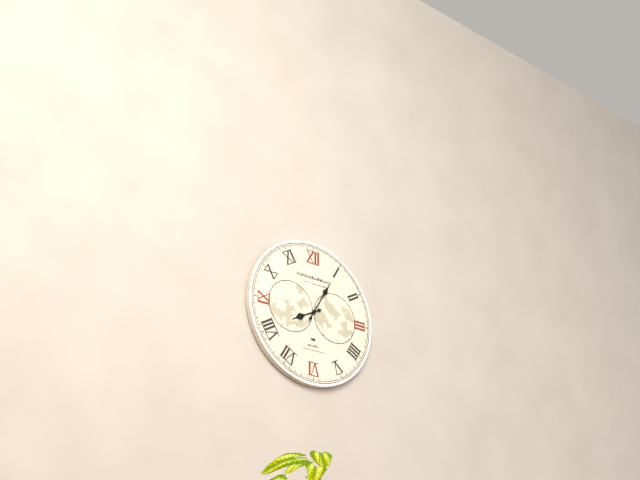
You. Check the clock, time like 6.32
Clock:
8.05
